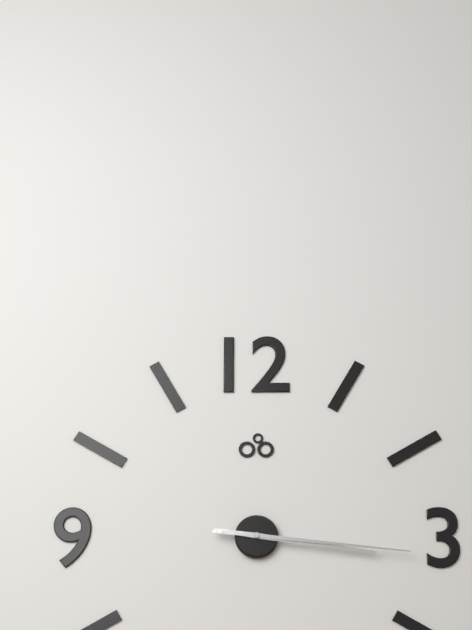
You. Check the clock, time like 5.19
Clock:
3.16
